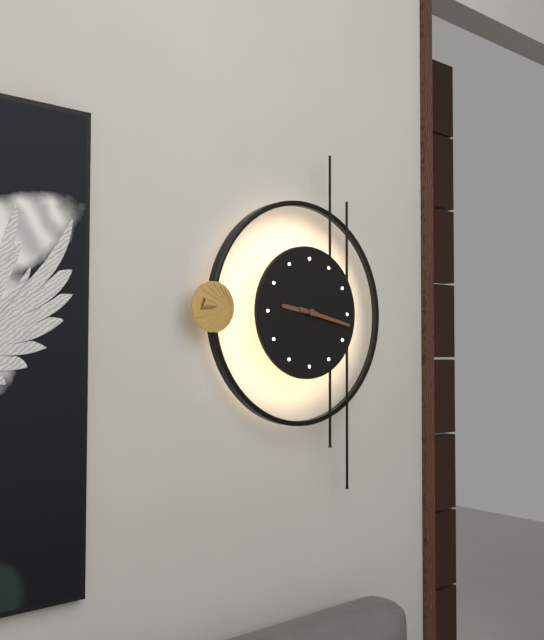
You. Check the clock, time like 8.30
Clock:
9.17
